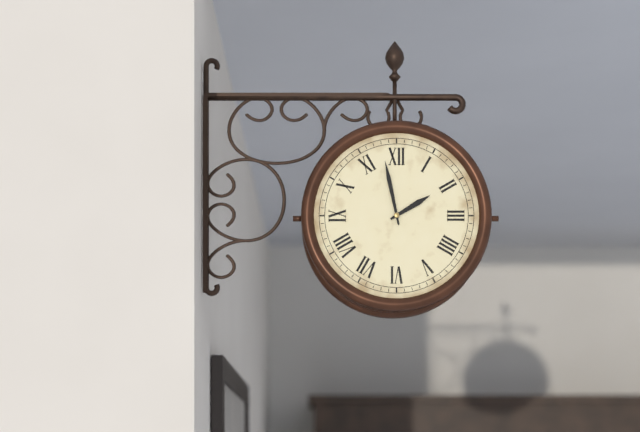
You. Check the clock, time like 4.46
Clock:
1.58
